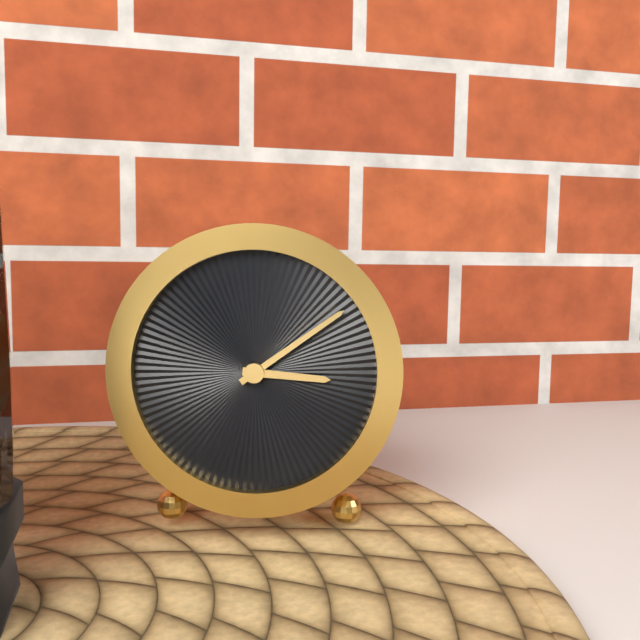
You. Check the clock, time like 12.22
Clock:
3.09
